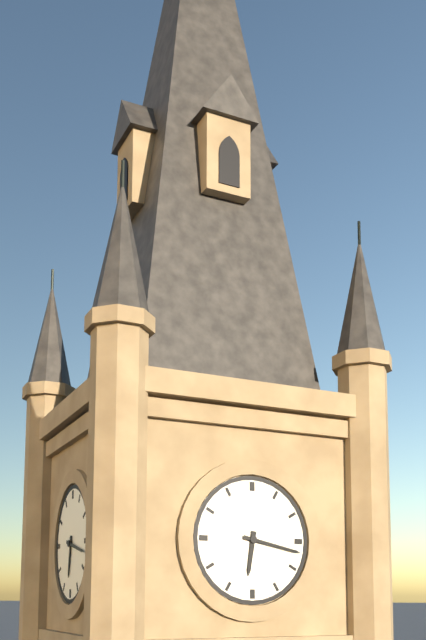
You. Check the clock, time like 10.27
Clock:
6.17
